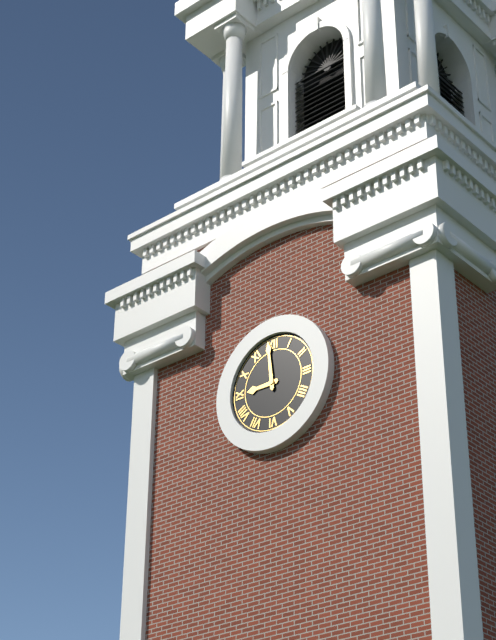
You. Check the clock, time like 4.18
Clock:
8.59
